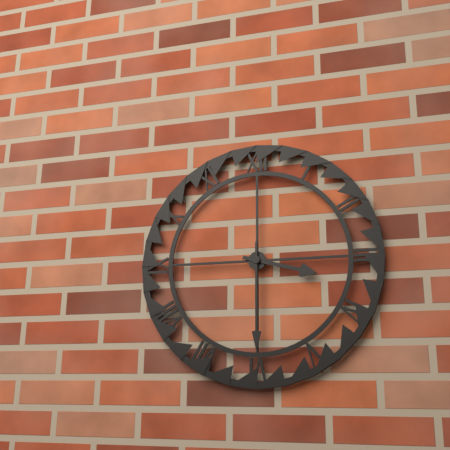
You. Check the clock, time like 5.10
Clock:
3.30
